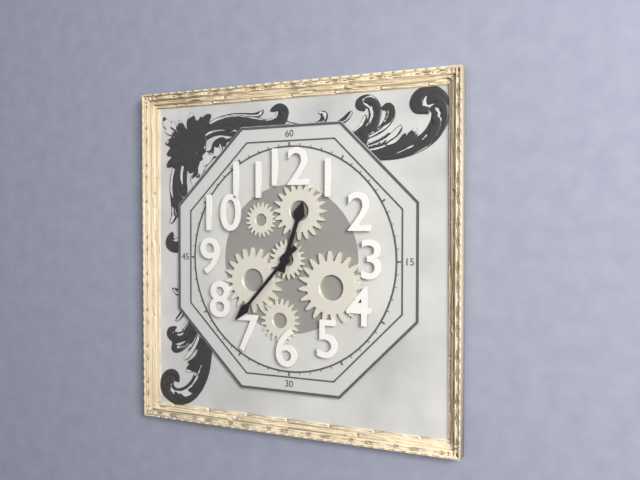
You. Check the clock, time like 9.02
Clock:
12.37
